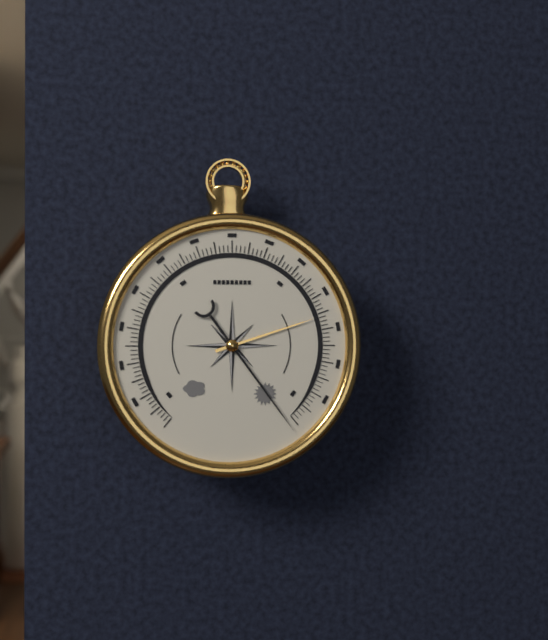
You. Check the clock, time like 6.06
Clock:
2.24
